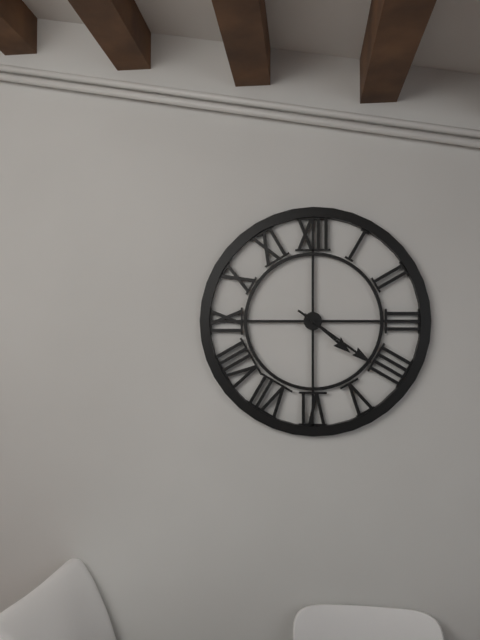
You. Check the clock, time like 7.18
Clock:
4.21
